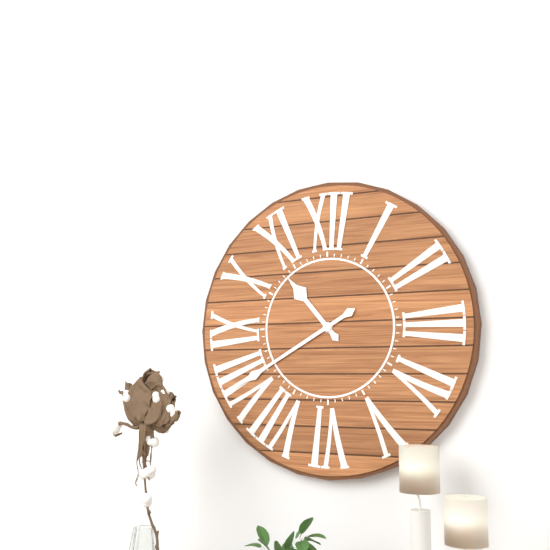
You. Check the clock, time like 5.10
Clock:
10.40
